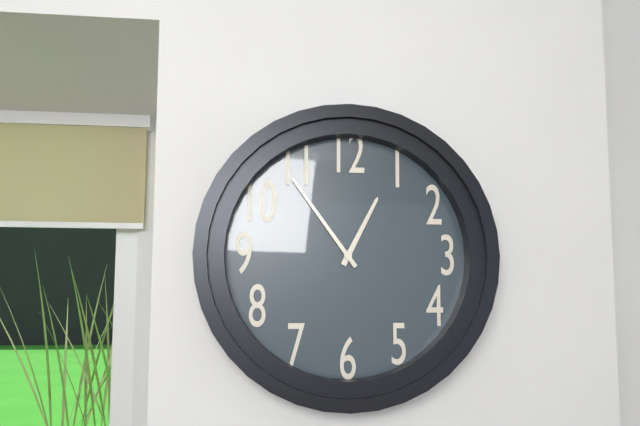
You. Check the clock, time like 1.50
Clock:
12.54
